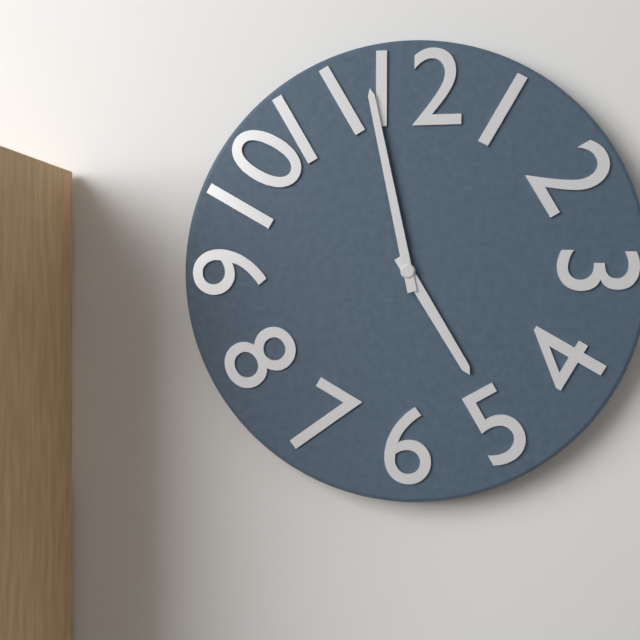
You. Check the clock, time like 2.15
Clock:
4.58
